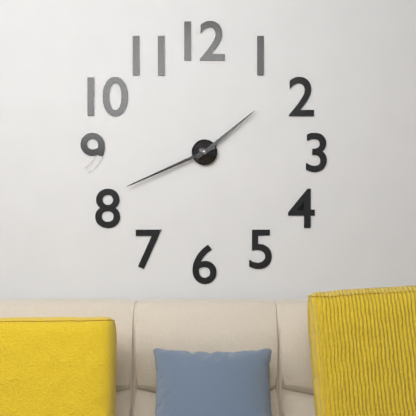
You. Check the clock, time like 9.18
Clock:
1.41
